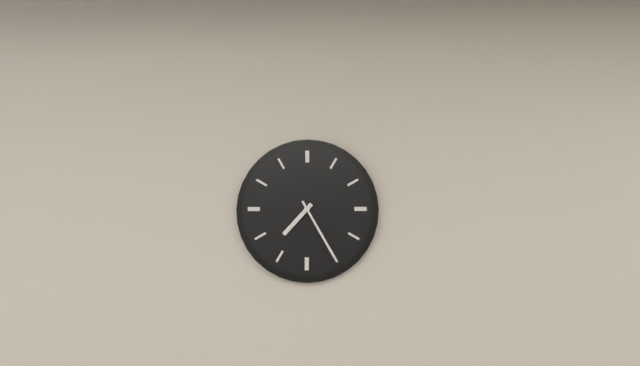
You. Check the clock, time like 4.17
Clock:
7.25
